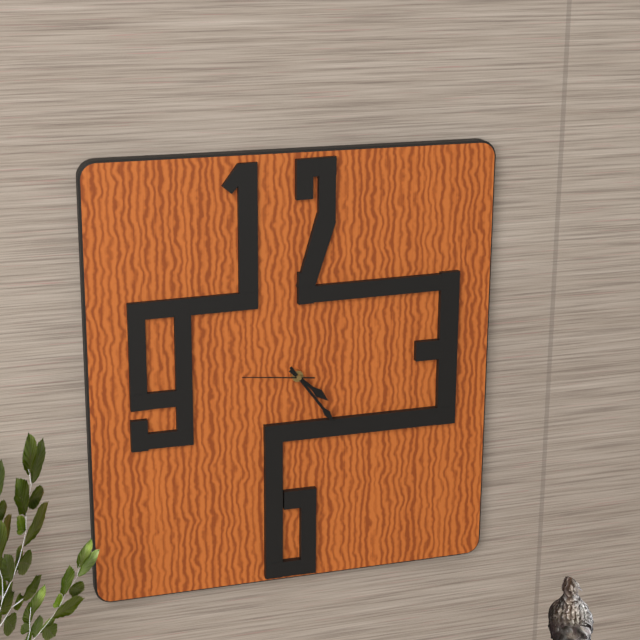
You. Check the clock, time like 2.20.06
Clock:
4.24.46
